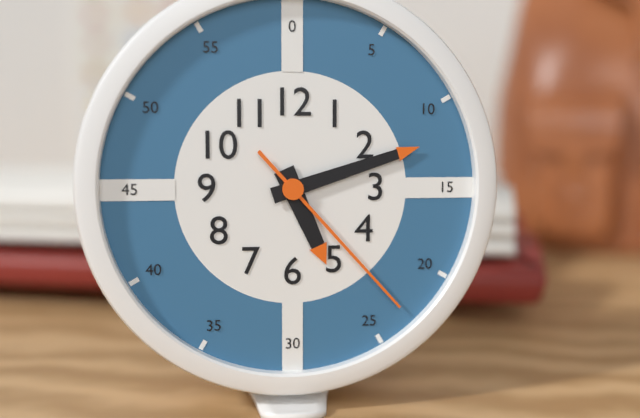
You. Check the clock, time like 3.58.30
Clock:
5.12.23
